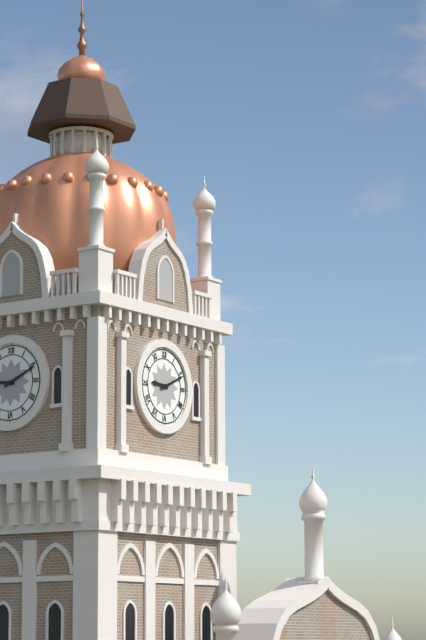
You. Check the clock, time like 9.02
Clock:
9.11
